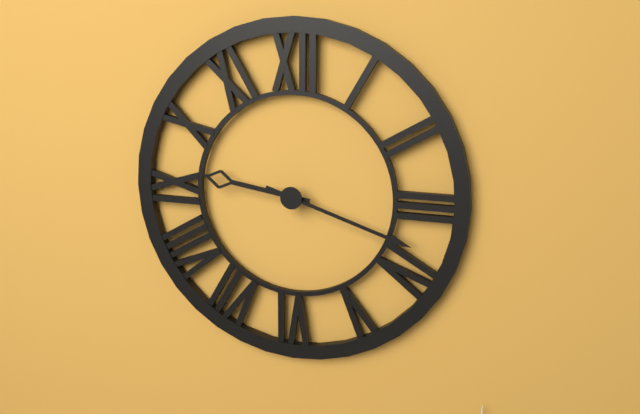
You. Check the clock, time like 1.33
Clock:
9.18
